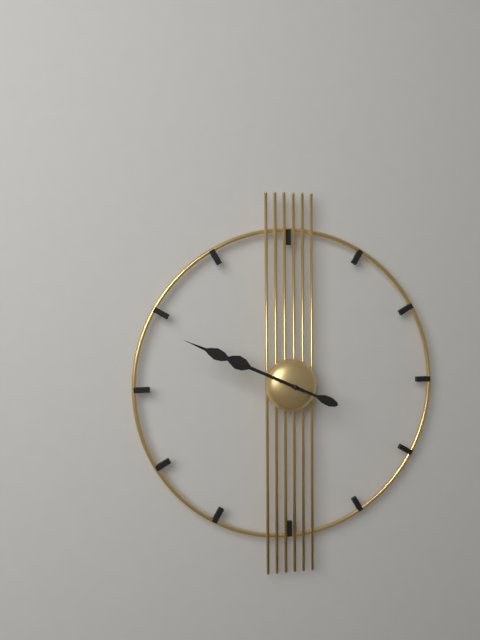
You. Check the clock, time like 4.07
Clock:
9.49
